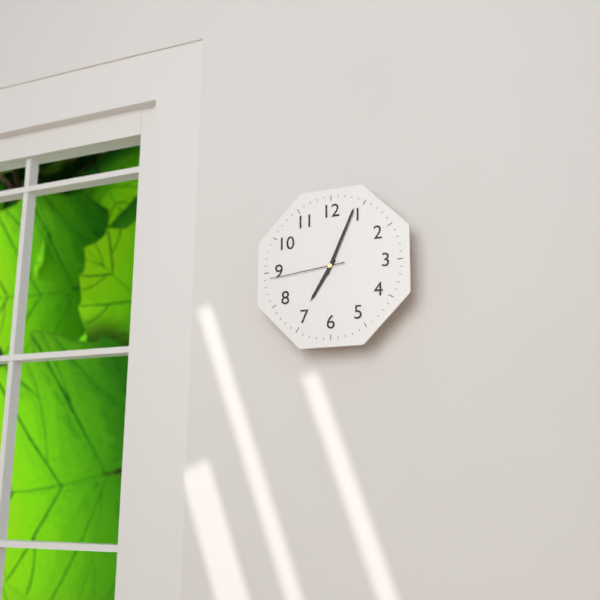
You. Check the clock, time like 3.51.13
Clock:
7.04.44
